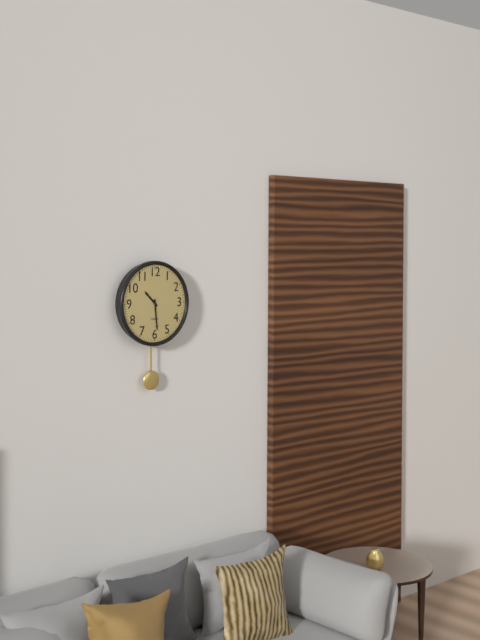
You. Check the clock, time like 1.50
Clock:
10.29
